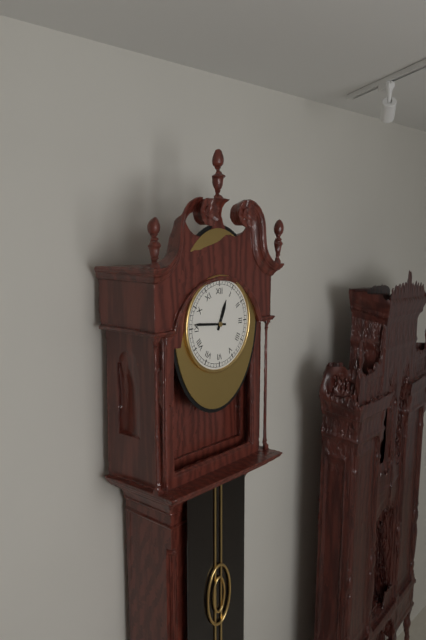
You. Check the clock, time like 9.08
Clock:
12.46
